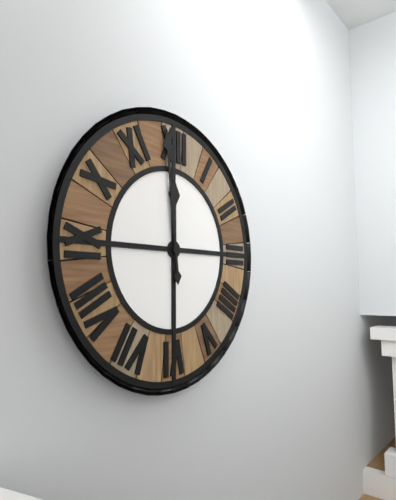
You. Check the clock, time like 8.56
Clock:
11.59
